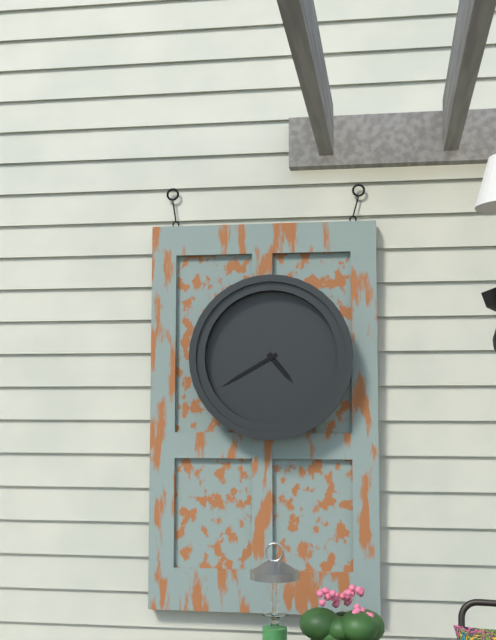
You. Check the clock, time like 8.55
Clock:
4.40
